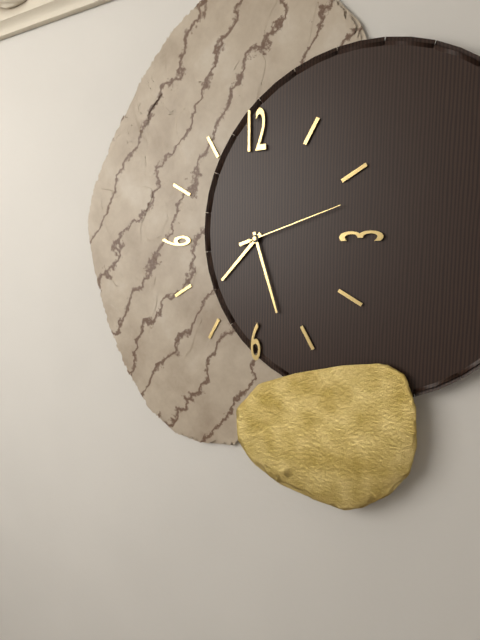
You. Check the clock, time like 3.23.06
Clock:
7.27.12
